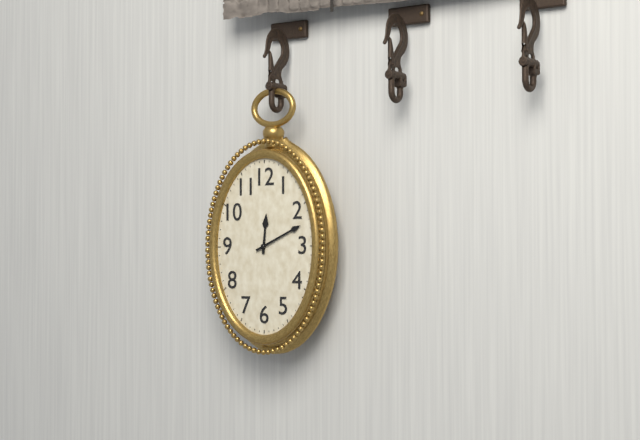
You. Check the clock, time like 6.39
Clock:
12.11
